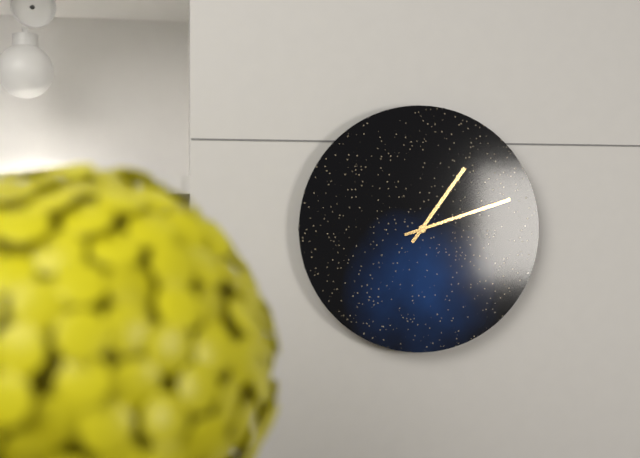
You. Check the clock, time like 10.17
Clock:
1.12
